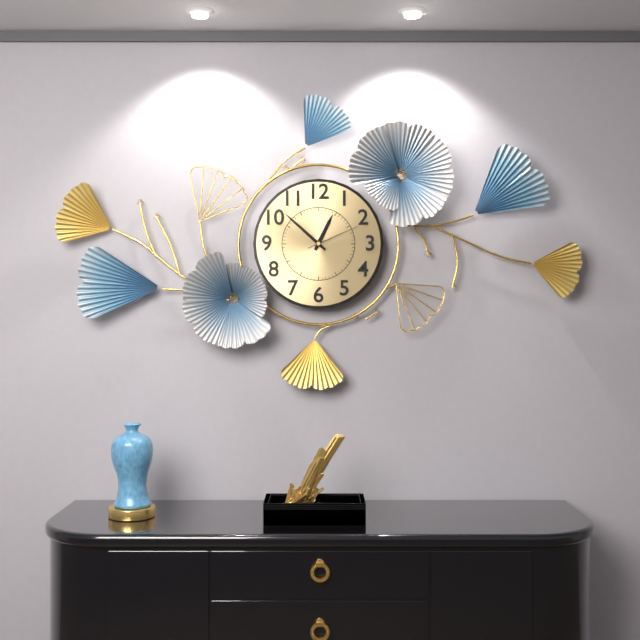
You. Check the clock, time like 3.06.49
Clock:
12.52.11
